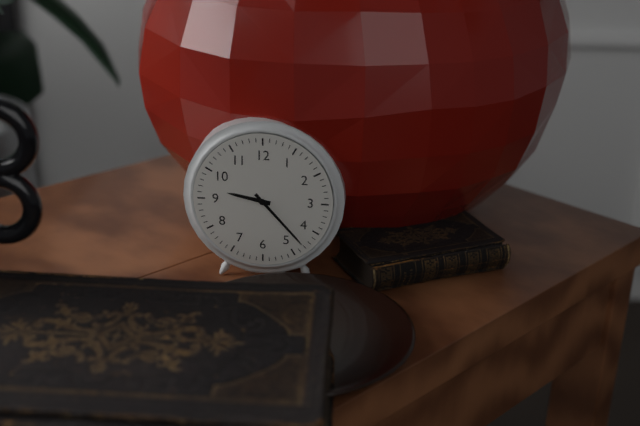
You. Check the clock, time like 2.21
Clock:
9.23
